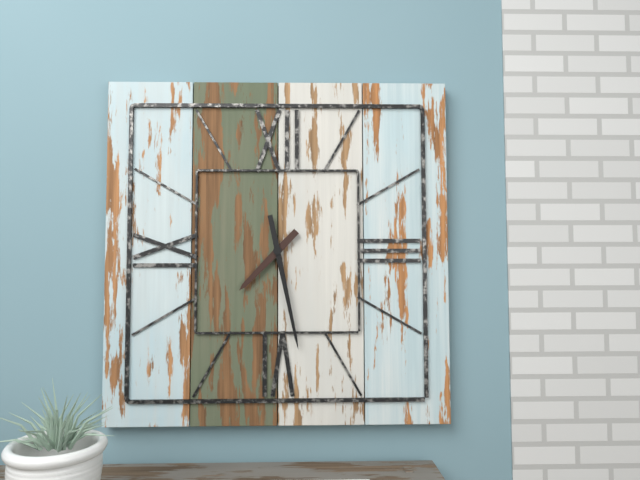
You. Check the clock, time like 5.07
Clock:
7.28
